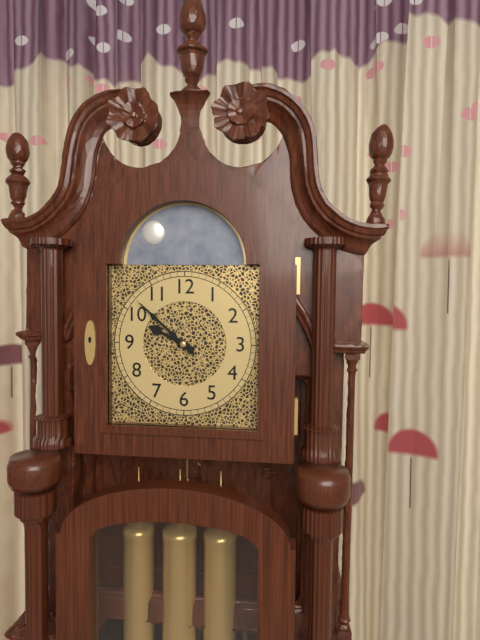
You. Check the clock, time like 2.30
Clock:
9.52
